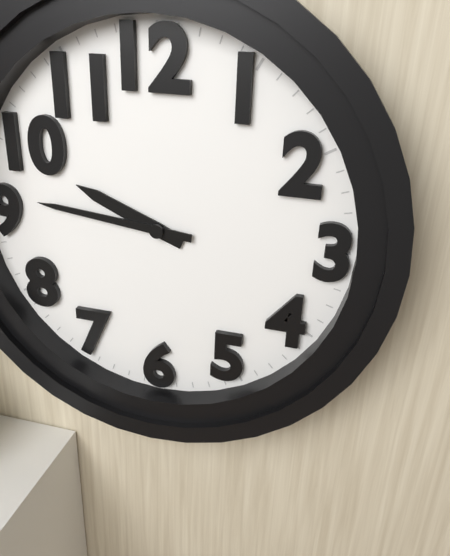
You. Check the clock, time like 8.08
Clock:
9.46
